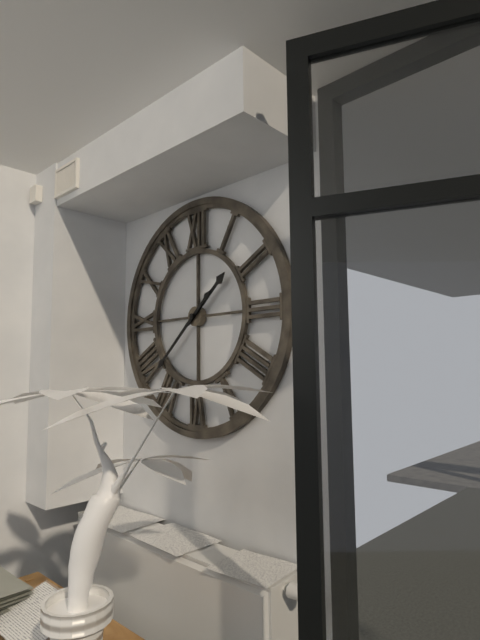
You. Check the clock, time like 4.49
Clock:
1.38
